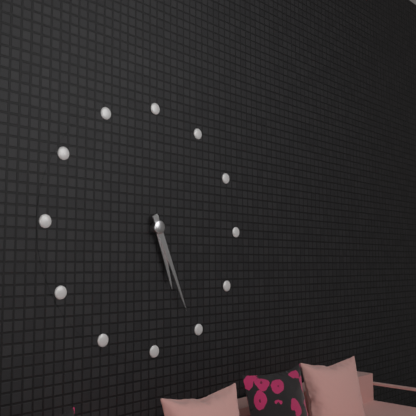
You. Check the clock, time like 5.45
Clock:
5.26
